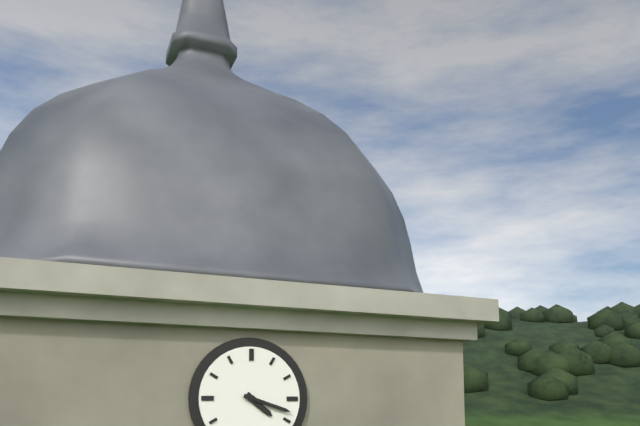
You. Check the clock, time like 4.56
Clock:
4.18
